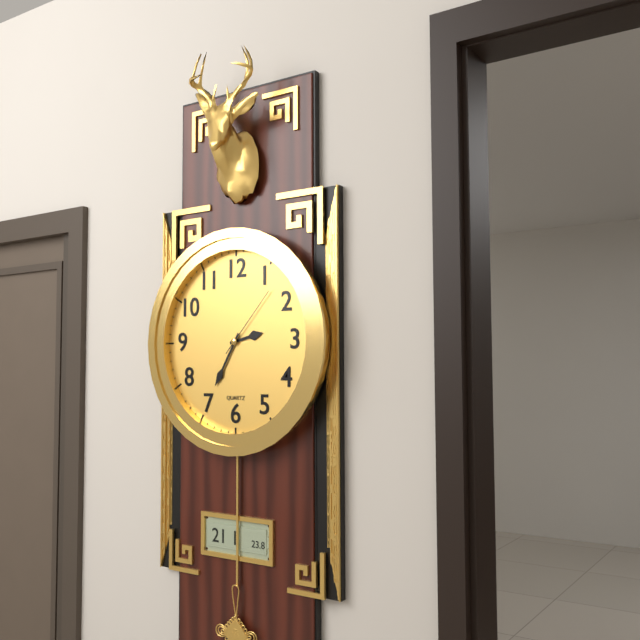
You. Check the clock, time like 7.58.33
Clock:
2.35.07
